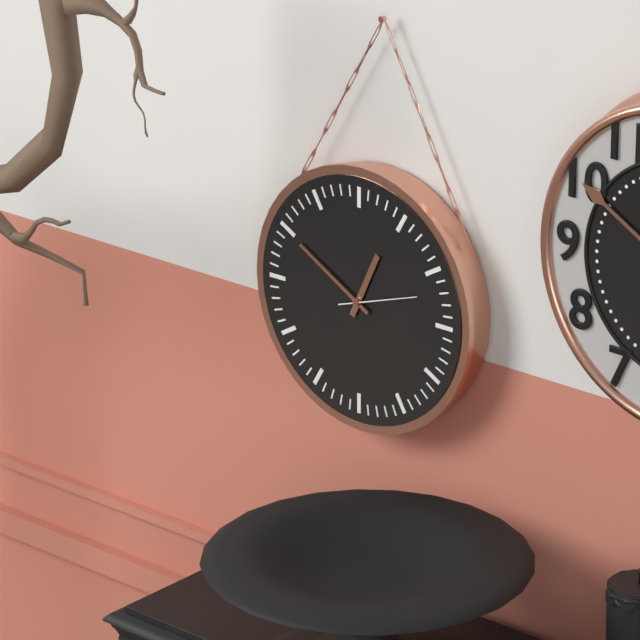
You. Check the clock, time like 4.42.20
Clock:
12.50.12
